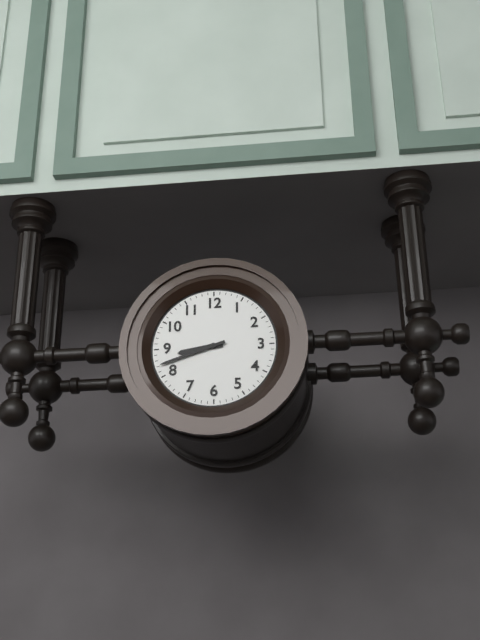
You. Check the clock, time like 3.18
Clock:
8.42
